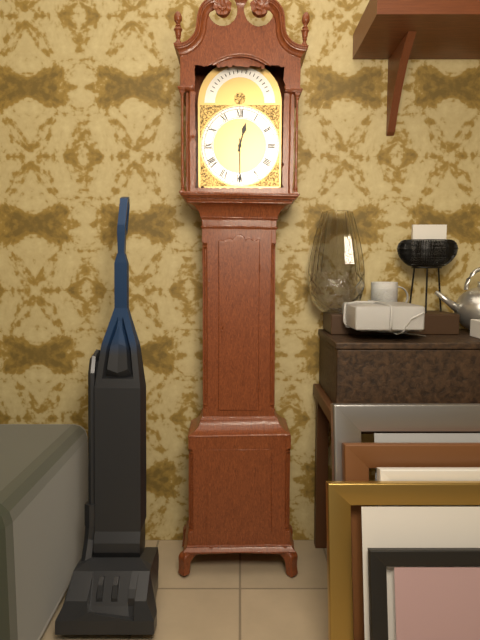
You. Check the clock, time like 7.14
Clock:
12.30
